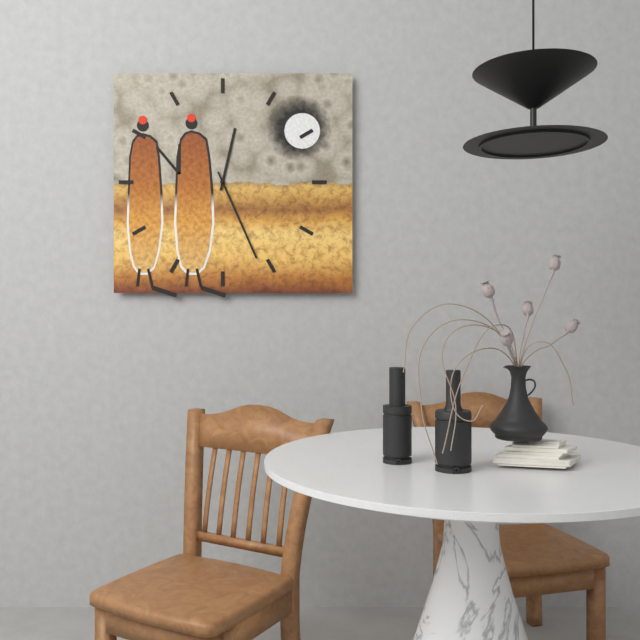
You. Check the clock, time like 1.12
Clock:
12.26
